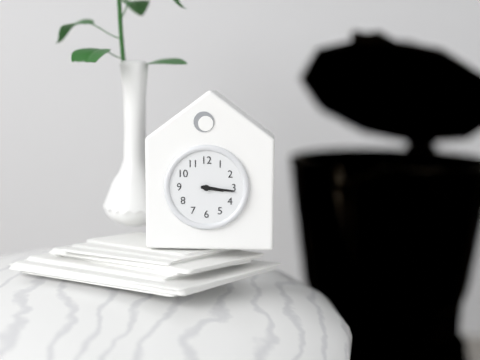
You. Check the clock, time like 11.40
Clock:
3.16
